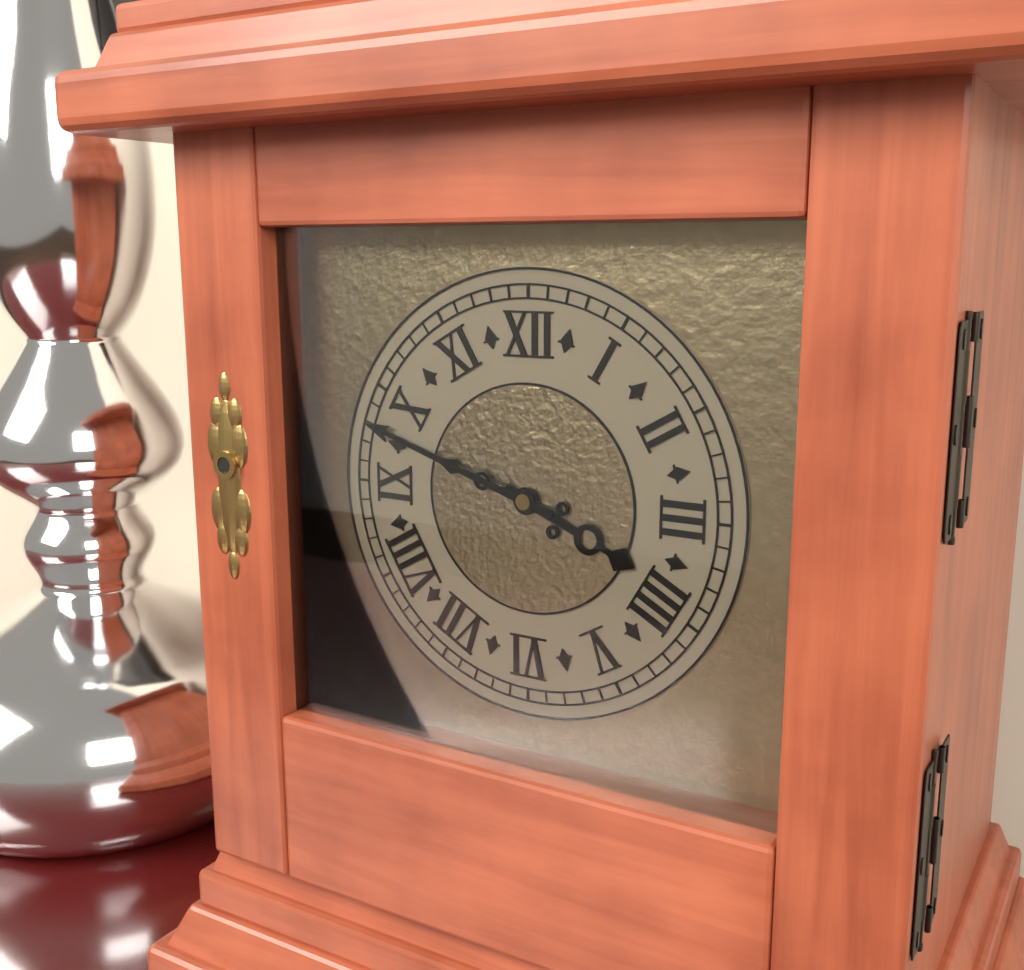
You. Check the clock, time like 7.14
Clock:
3.48
